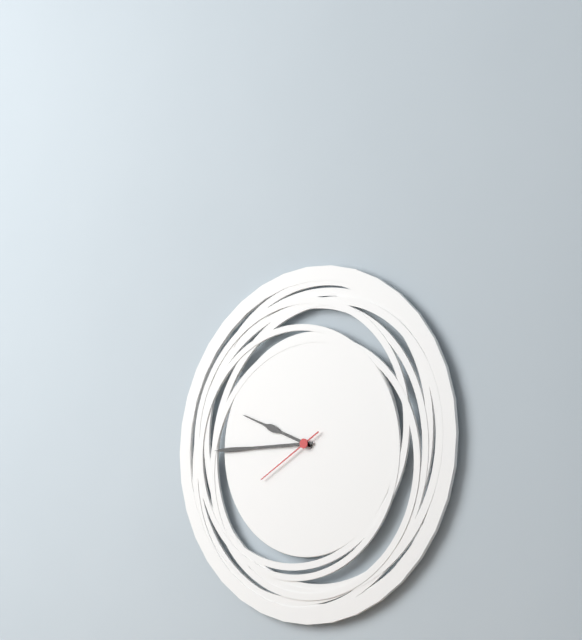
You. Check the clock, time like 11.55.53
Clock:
9.45.40
